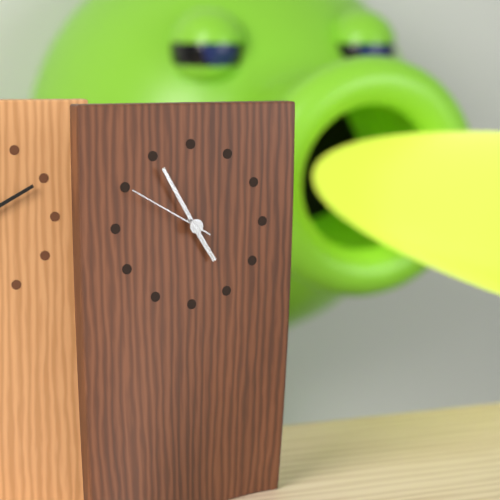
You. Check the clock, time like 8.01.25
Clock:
4.55.50
